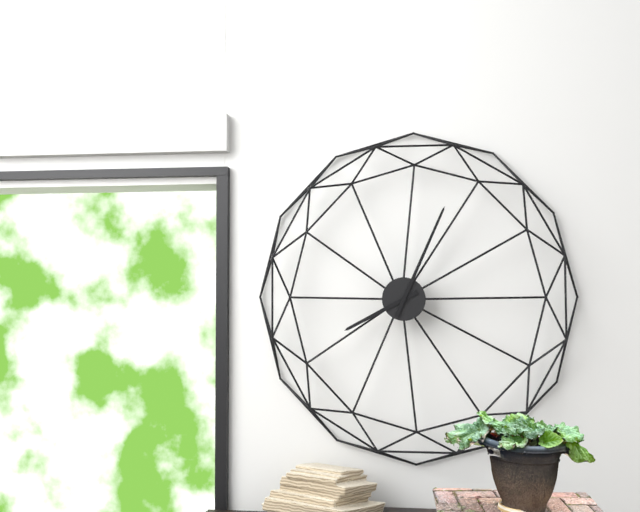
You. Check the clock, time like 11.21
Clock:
8.04
